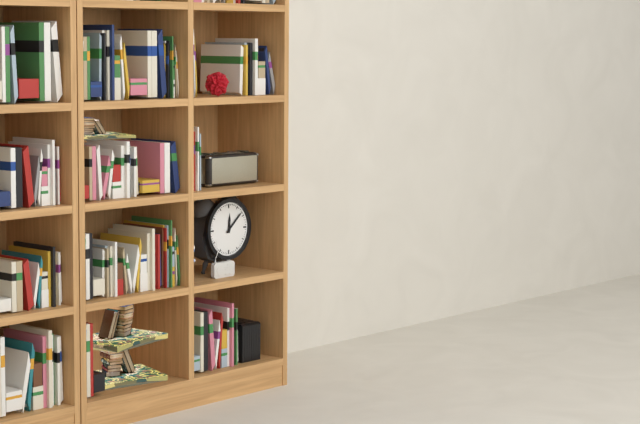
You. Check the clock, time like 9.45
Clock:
12.08
